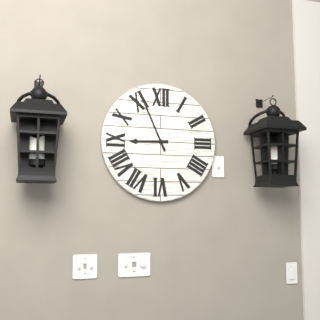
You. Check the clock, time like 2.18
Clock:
8.56
